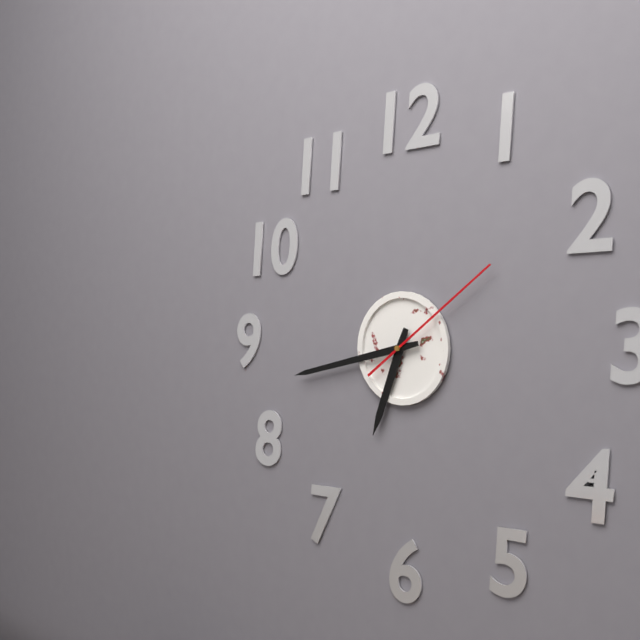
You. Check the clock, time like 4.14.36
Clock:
6.43.09
